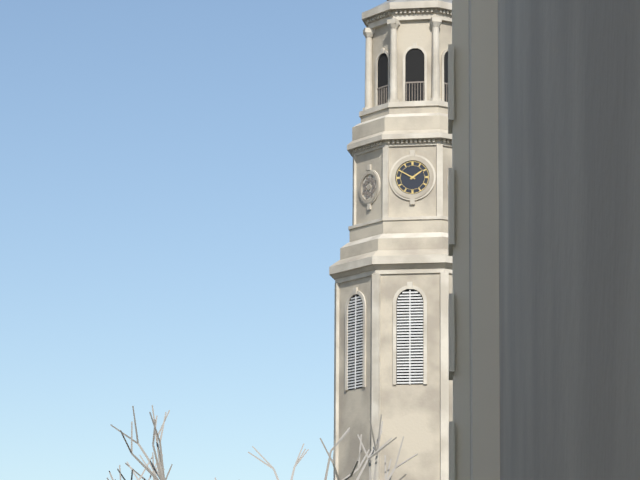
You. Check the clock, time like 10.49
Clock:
1.50
